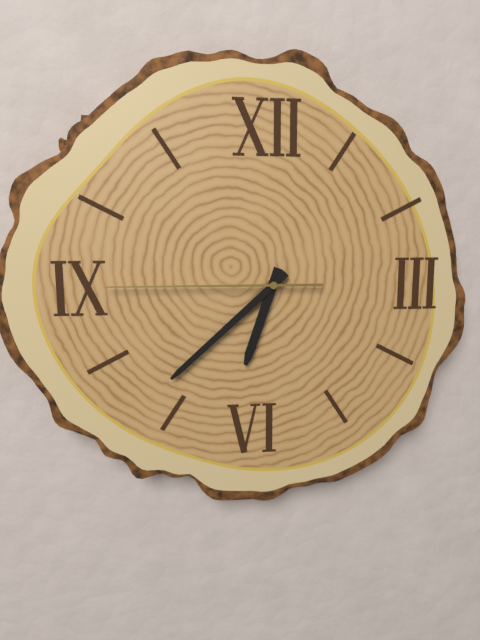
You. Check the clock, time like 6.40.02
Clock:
6.38.45
